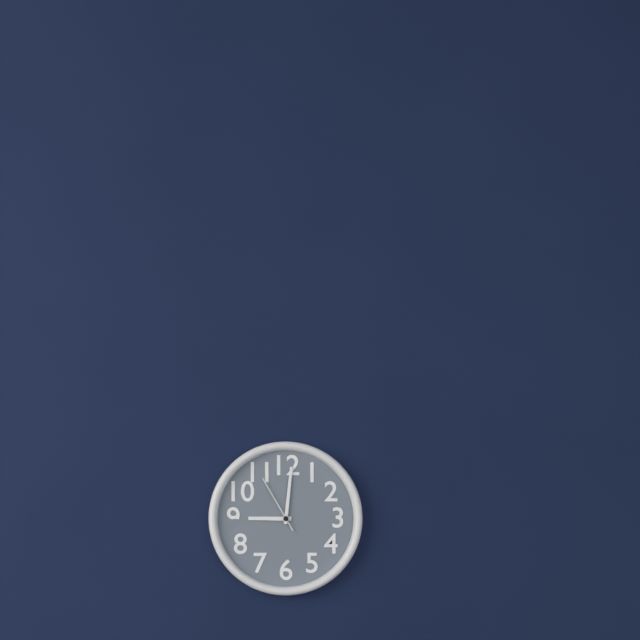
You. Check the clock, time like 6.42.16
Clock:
9.01.55
